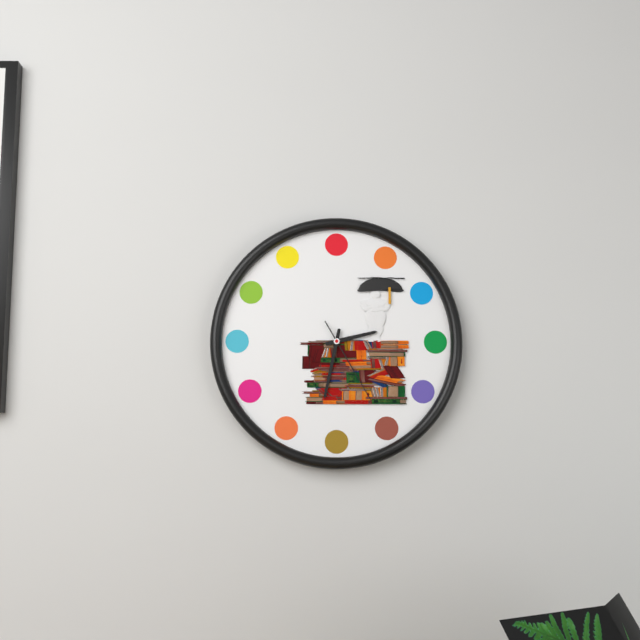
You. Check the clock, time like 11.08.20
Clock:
2.32.25
